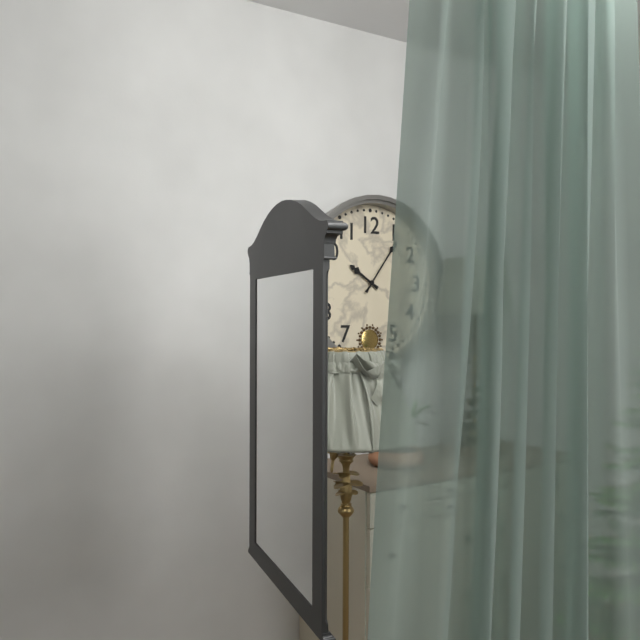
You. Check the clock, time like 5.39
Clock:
10.06
